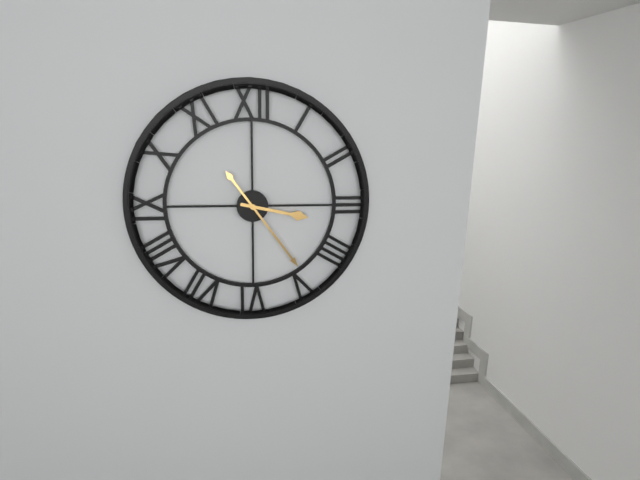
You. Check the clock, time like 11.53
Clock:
3.24
